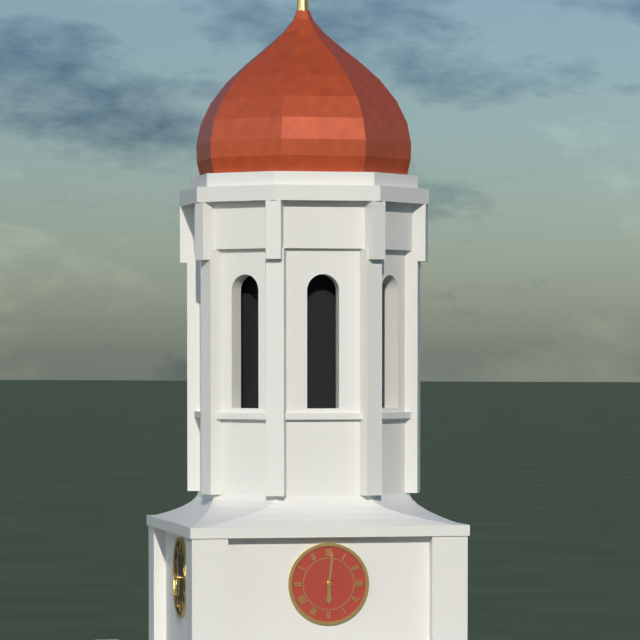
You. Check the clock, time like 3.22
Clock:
6.01
